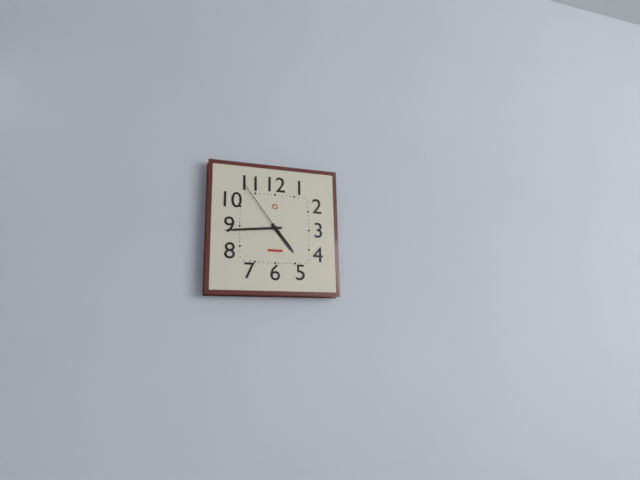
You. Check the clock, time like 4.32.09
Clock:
4.44.54
